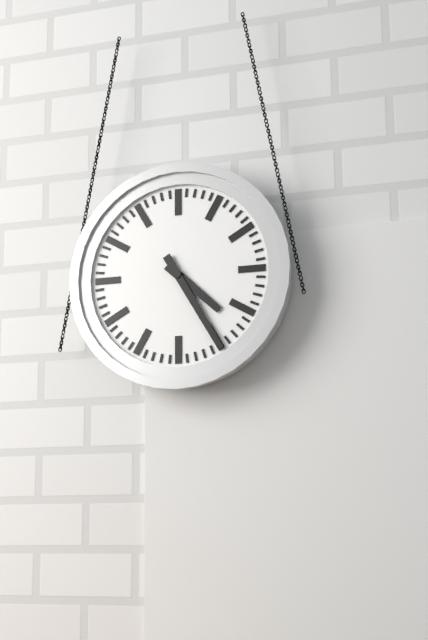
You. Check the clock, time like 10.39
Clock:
4.25
